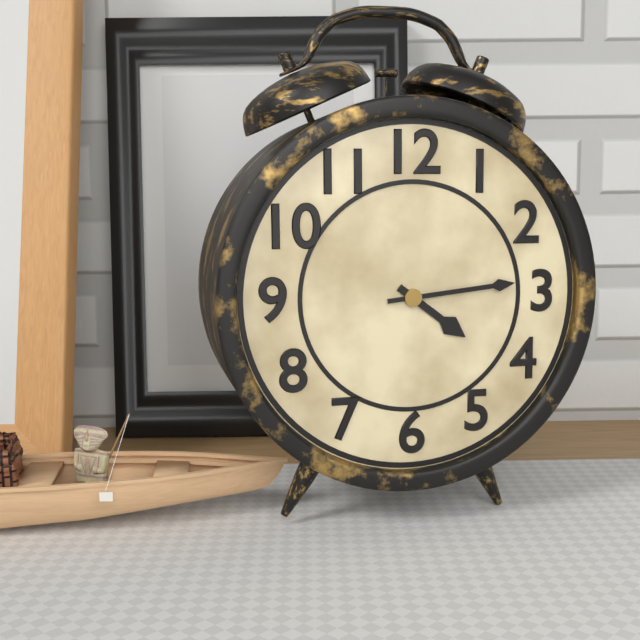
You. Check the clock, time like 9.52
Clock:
4.14
